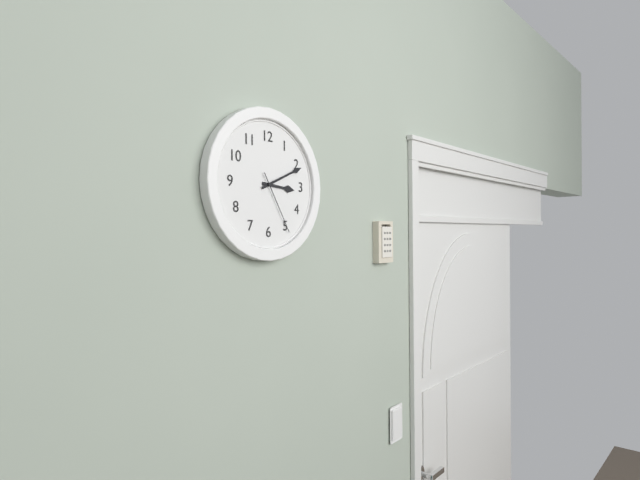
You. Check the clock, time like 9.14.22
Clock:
3.11.25
